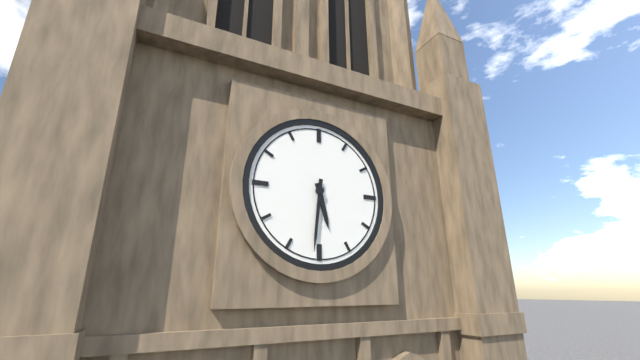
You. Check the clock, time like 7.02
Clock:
5.31
